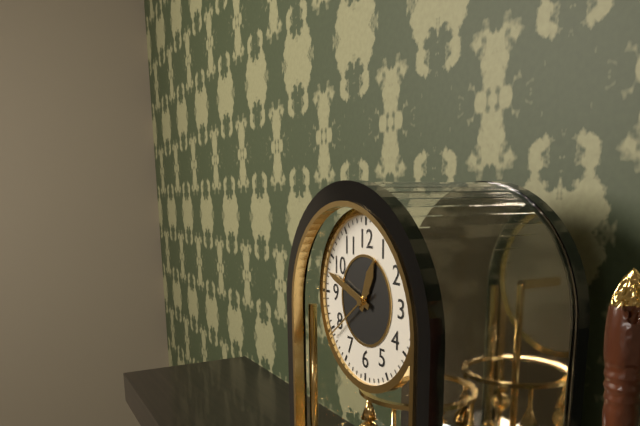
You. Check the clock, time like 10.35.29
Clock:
12.48.39
